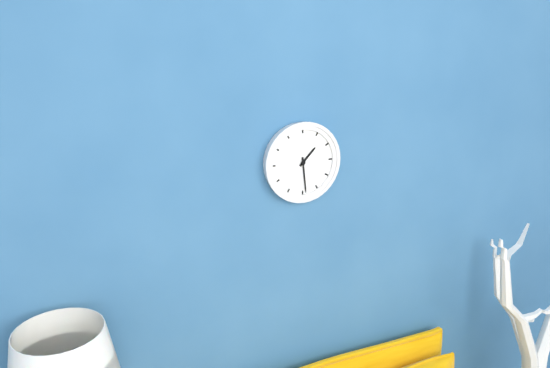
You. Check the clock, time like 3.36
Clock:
1.29
